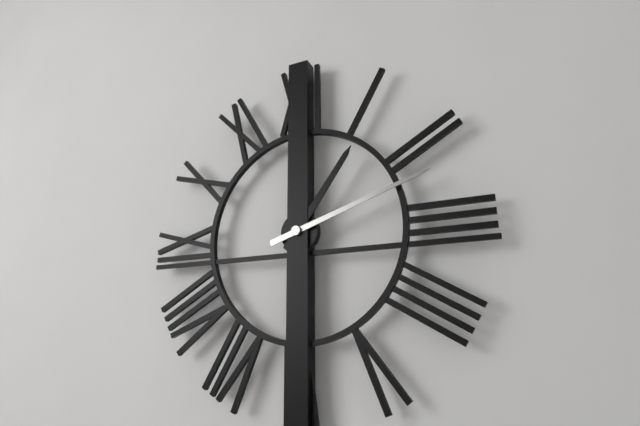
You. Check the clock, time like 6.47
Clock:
1.12
